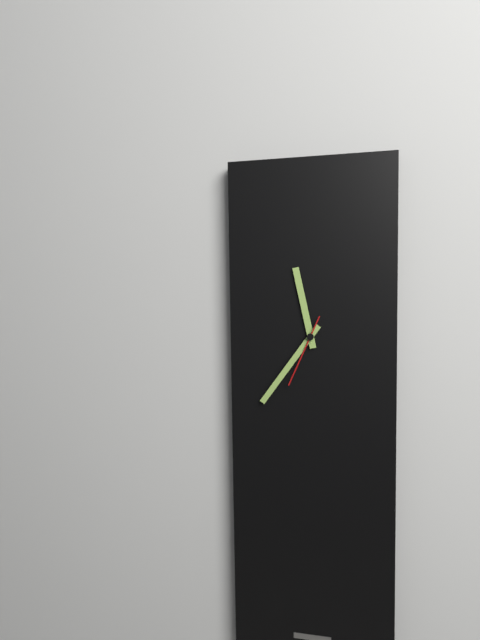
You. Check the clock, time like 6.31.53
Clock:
11.36.34
